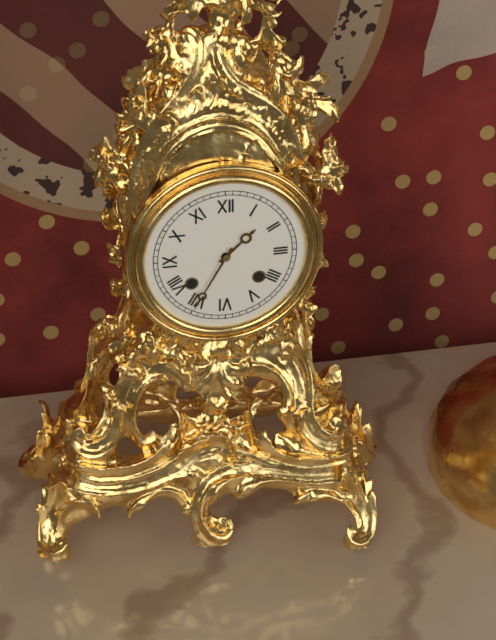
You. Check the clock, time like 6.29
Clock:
1.35
